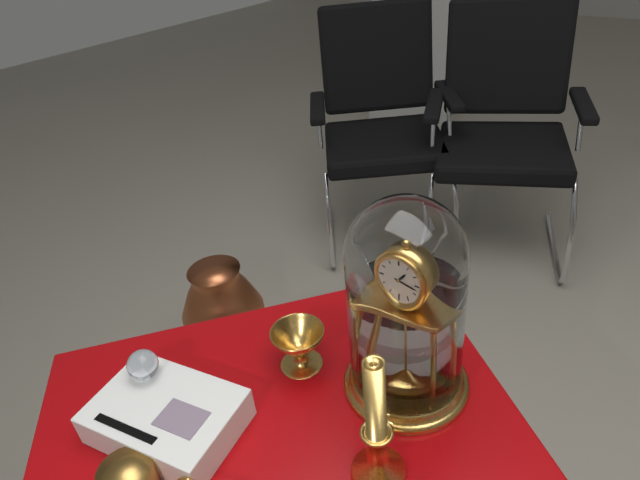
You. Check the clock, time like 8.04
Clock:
1.17
